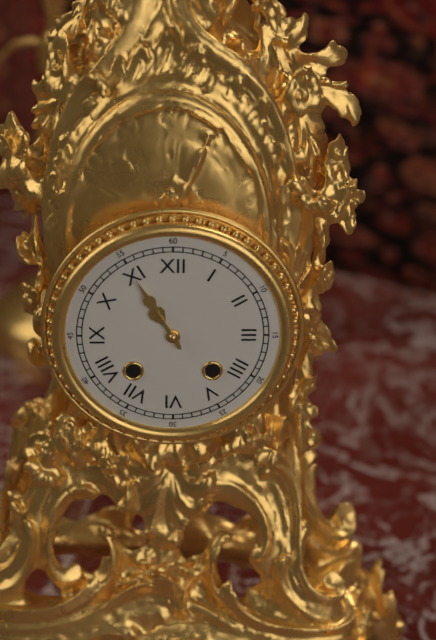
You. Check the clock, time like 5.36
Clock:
10.55
